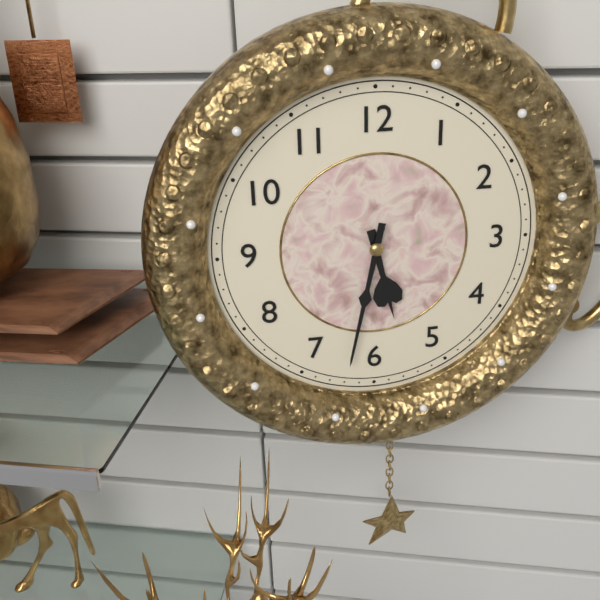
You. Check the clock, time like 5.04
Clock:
5.32
